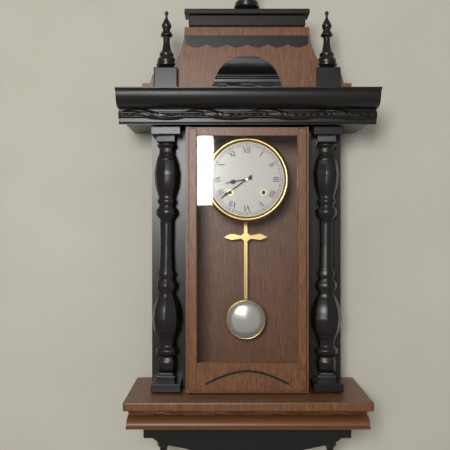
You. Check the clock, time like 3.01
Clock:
8.39
